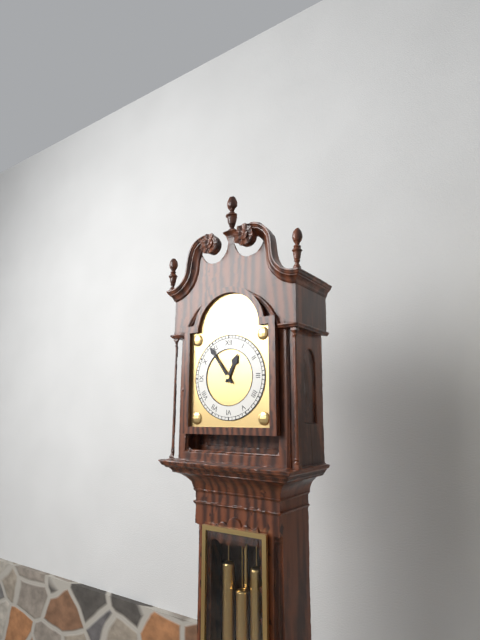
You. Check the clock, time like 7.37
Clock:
12.54
